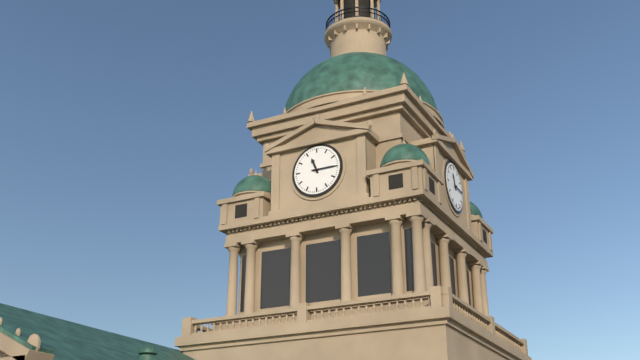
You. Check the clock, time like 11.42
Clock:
11.15
